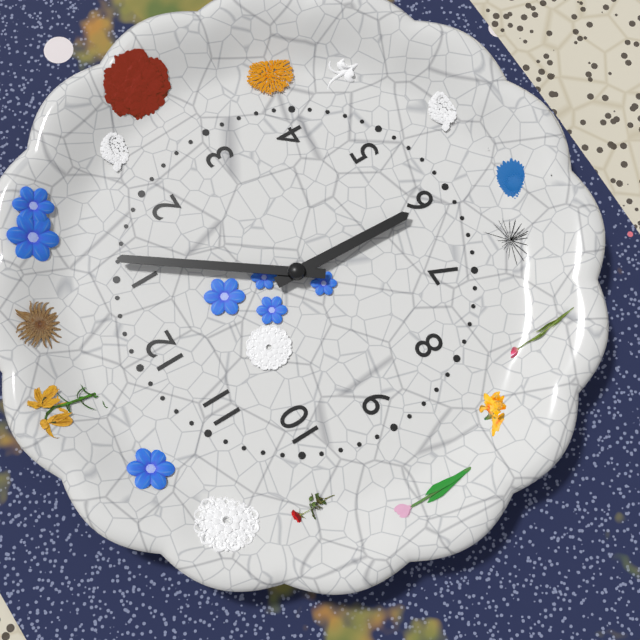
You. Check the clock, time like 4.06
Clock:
6.06
